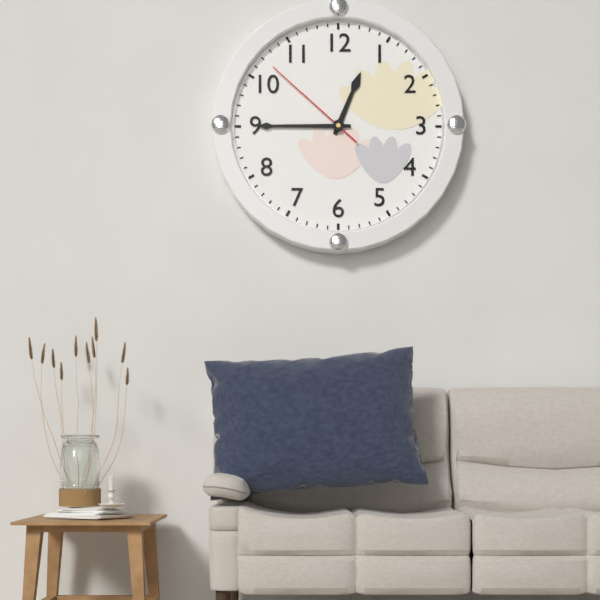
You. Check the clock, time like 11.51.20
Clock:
12.45.52
